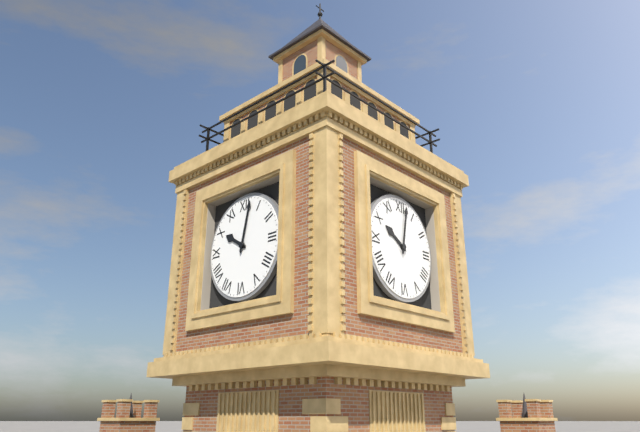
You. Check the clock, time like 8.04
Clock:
10.02
